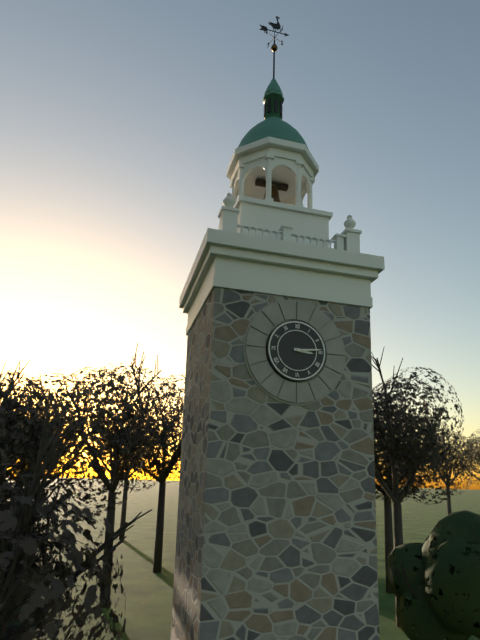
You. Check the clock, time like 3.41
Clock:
3.14
